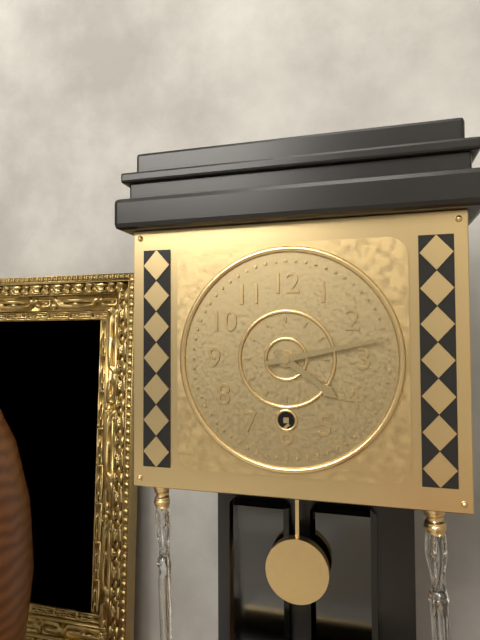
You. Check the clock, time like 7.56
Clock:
4.13
